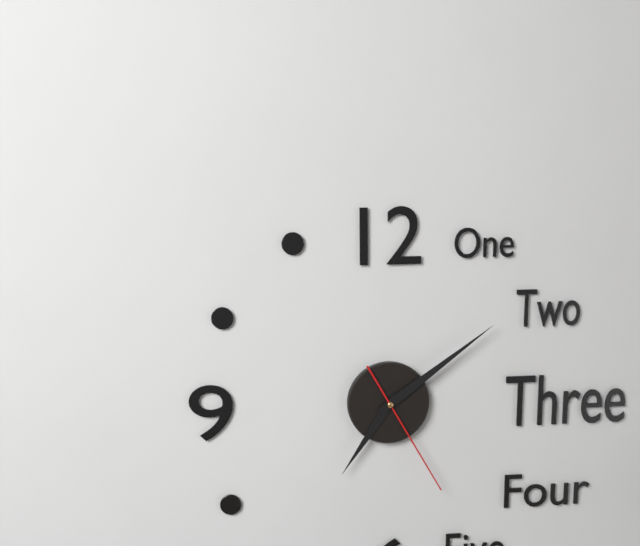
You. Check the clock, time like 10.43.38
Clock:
7.09.25
